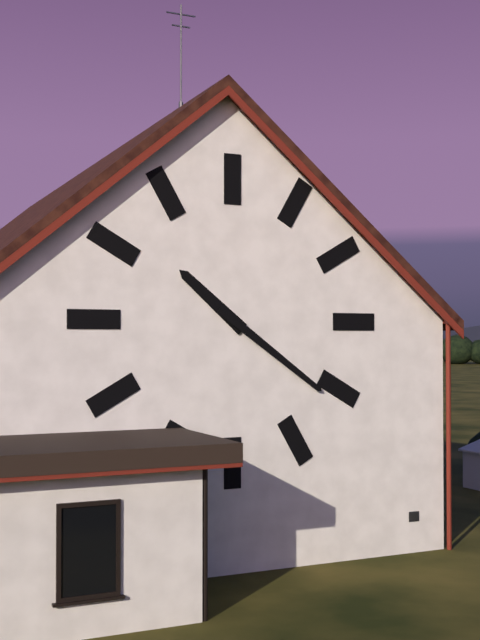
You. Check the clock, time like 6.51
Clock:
10.21
